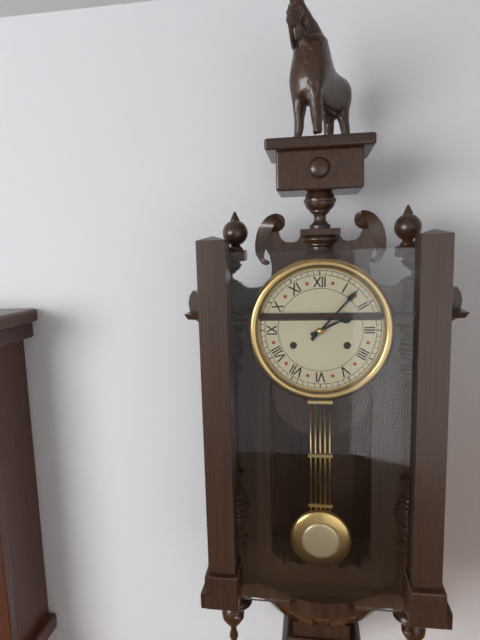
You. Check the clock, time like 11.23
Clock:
2.07
